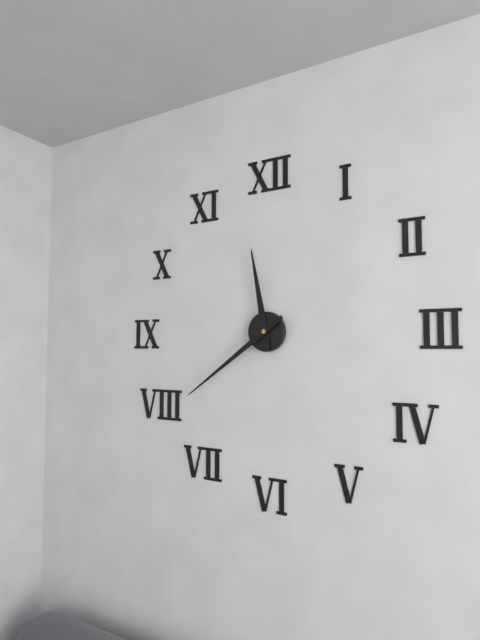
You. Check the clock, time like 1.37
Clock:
11.39
